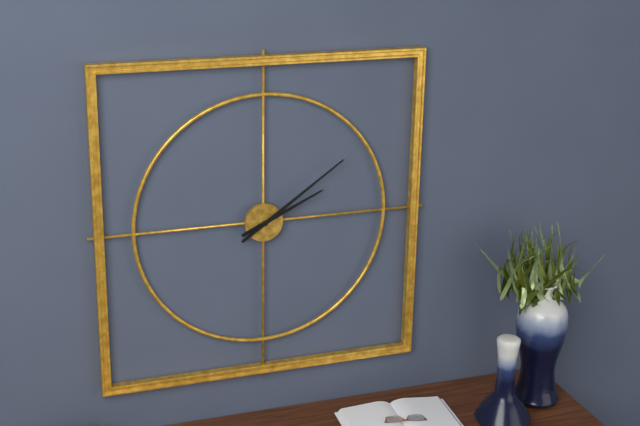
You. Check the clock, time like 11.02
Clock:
2.09
